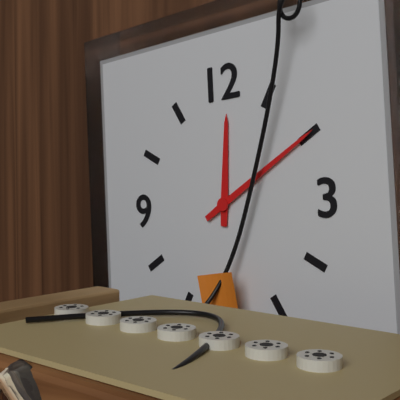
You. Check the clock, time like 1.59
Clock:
12.10
